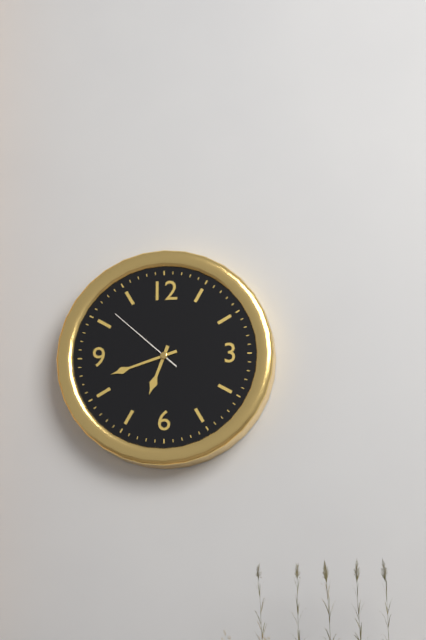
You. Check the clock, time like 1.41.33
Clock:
6.42.52
